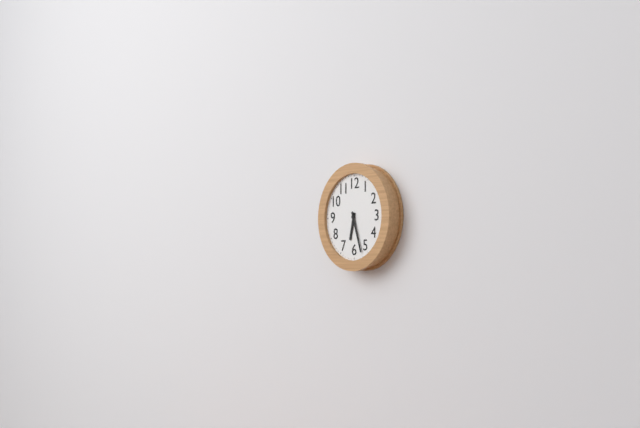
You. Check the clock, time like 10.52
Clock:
6.27
